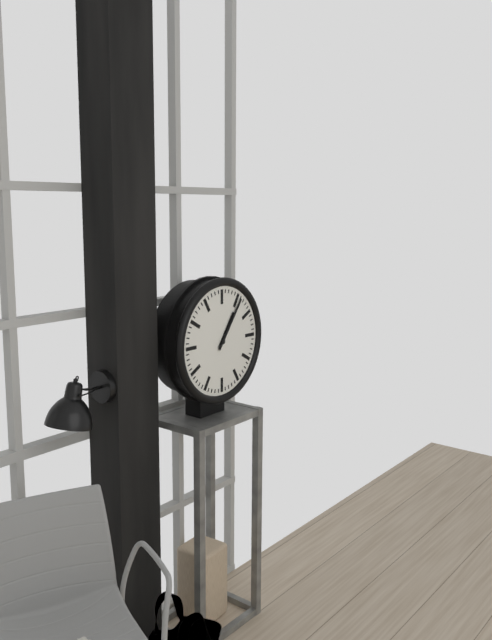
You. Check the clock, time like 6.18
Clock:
1.06
